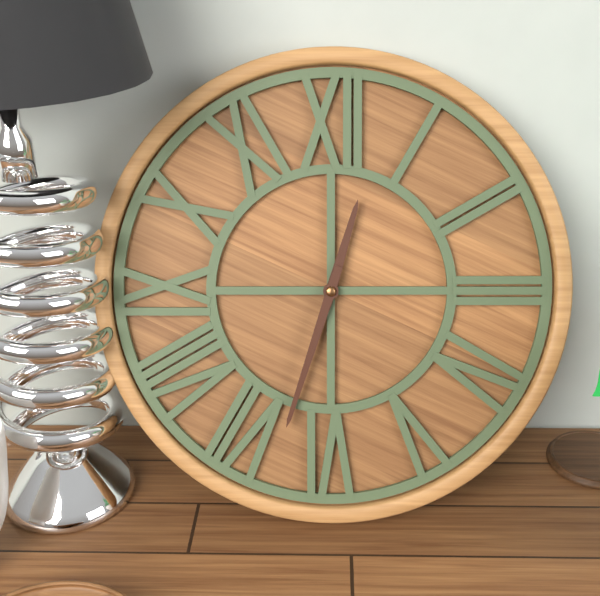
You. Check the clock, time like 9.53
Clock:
12.33
